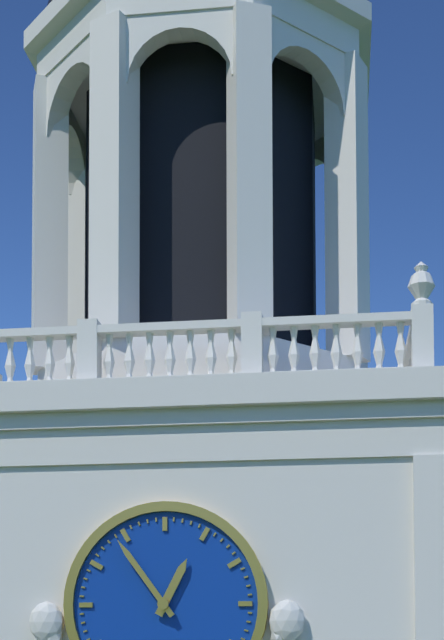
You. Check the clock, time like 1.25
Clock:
12.54
